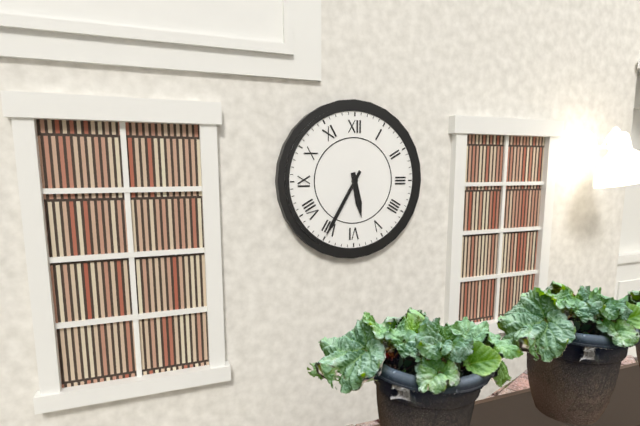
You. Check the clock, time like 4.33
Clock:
5.35
